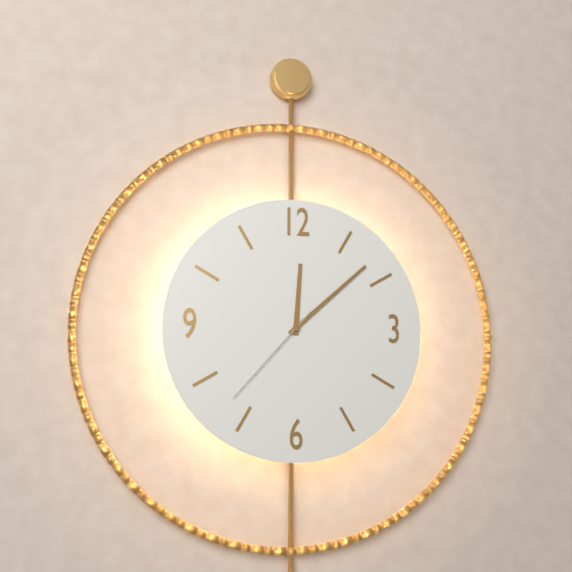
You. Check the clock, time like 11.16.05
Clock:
12.08.37
